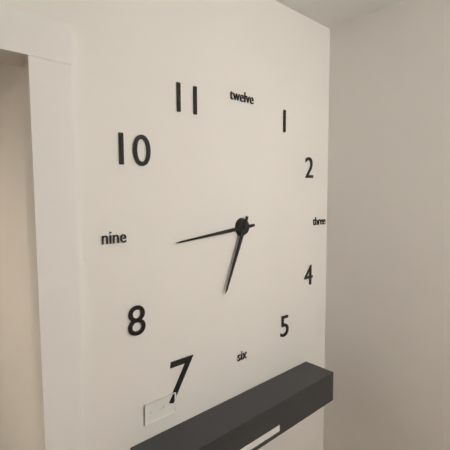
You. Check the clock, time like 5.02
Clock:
6.44
